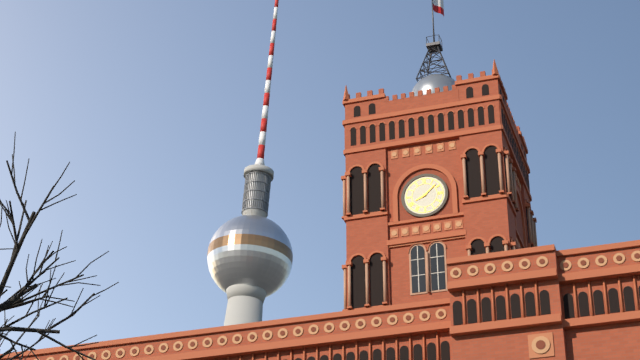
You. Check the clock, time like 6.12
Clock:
8.08
